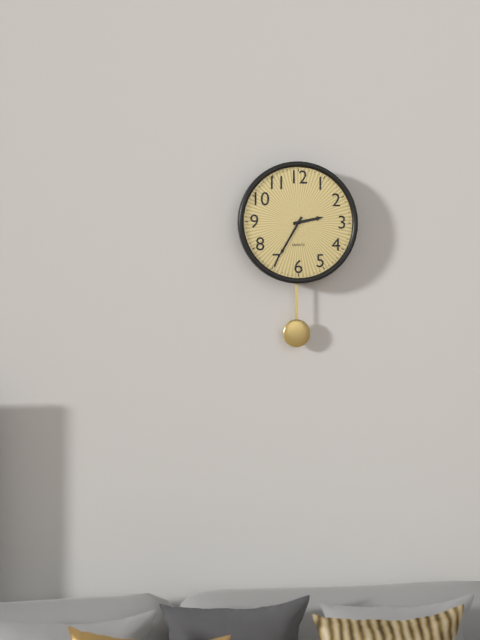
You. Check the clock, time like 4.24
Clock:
2.35
